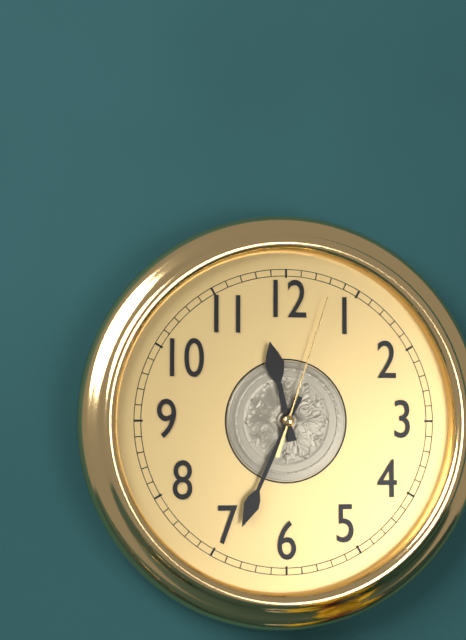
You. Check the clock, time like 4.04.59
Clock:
11.34.03
